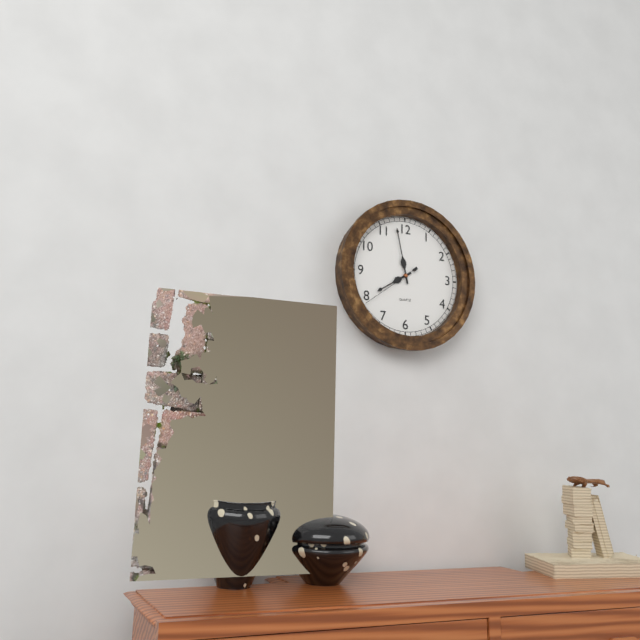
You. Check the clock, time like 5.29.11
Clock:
7.58.39
